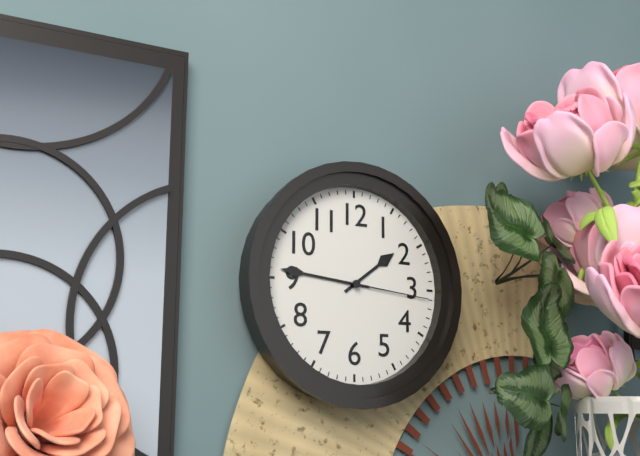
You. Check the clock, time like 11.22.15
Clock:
1.46.16
